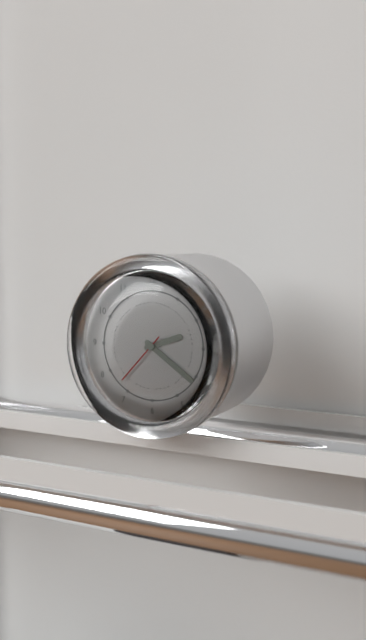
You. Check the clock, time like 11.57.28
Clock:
2.21.37
